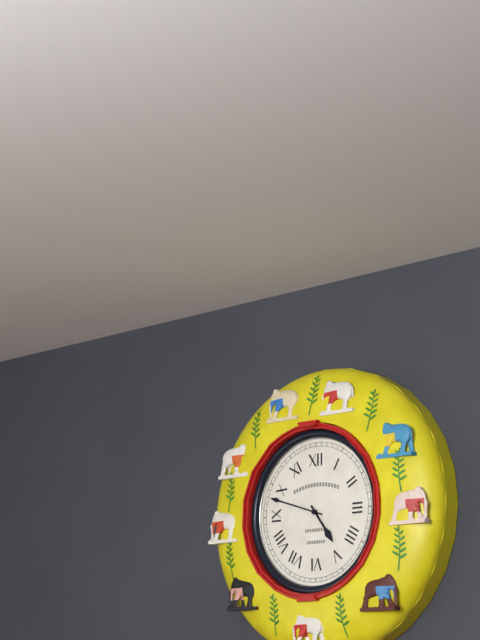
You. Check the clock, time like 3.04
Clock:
4.48
